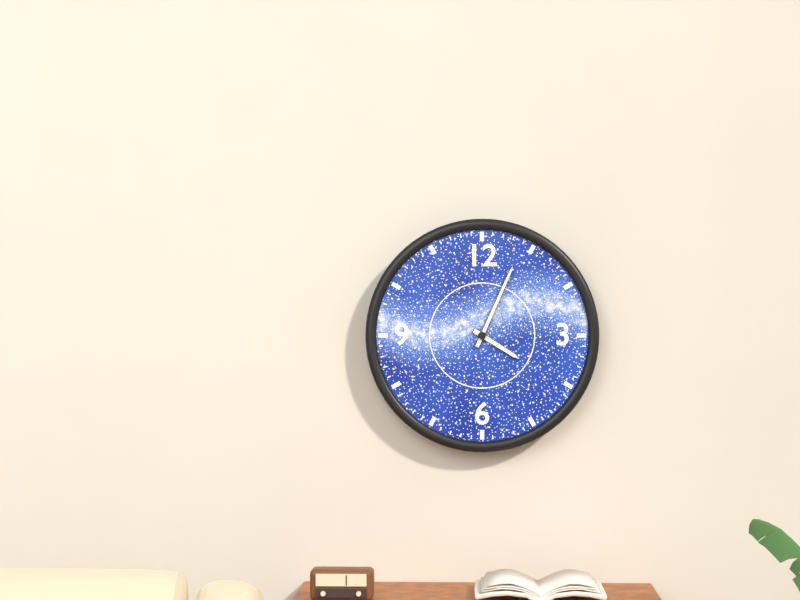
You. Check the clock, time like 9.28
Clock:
4.04
